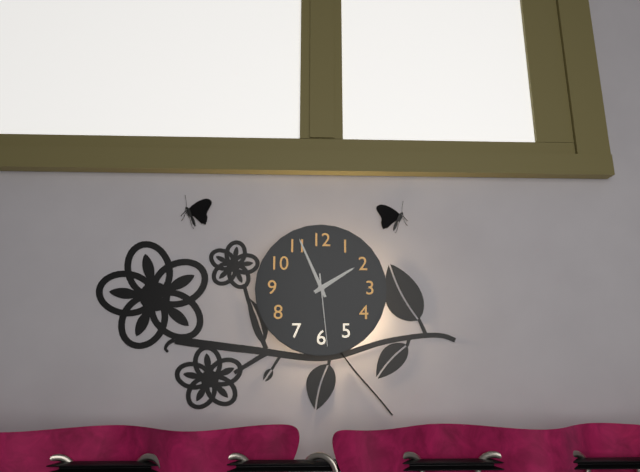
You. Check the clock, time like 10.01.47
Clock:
1.56.29
